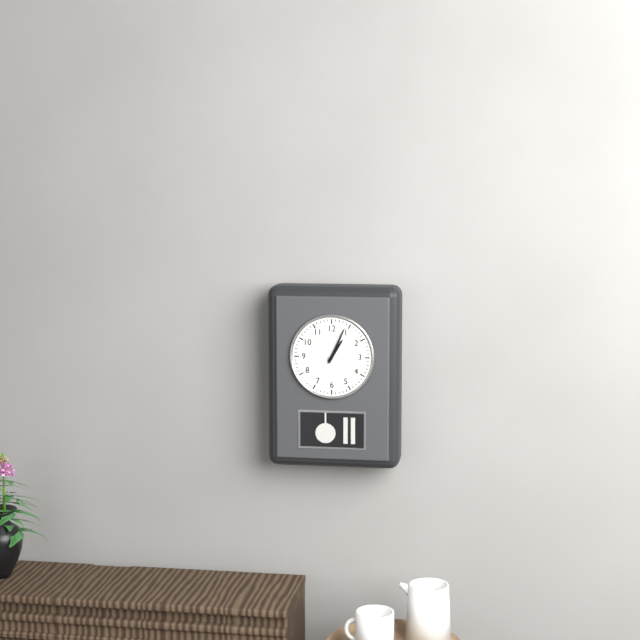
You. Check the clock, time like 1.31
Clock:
1.04
